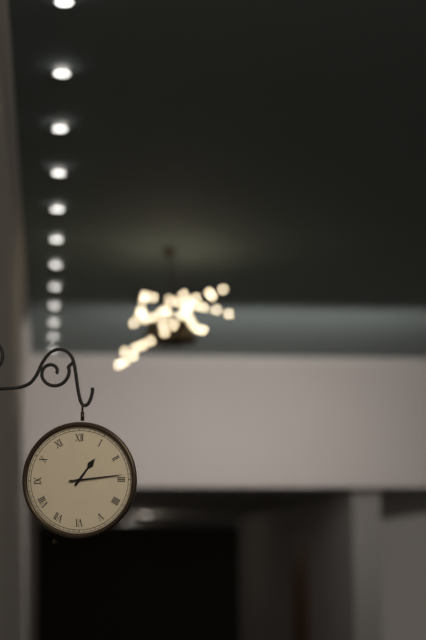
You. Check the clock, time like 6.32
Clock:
1.14
